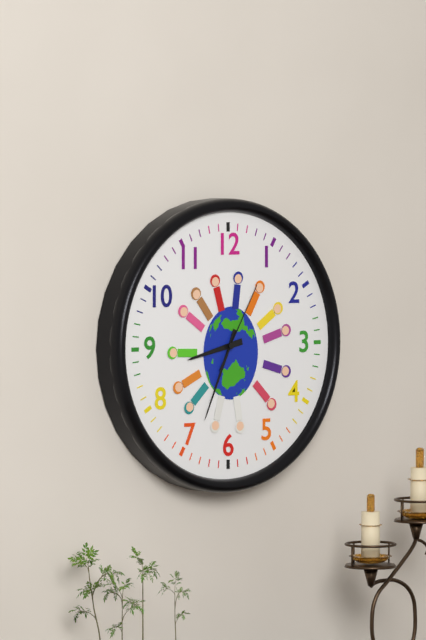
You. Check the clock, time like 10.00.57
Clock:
8.34.05
